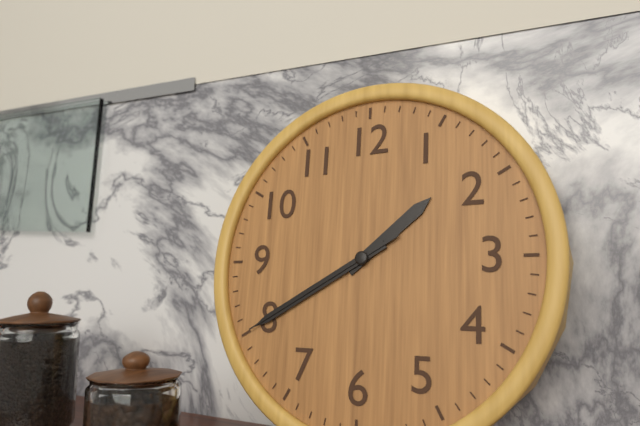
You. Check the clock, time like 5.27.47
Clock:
1.40.40
